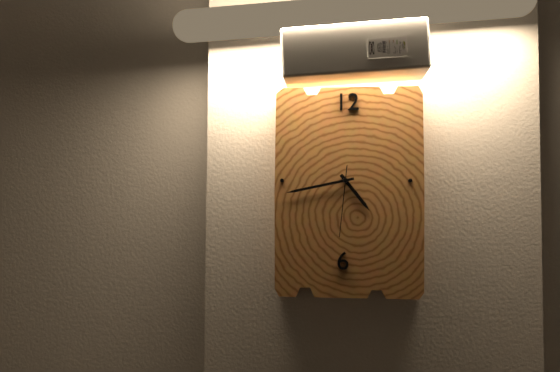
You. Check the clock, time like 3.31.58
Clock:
4.43.31
